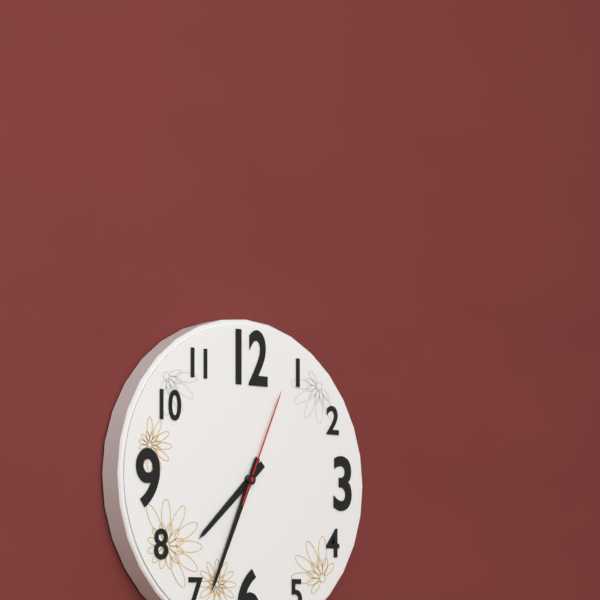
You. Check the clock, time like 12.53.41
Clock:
7.34.04
